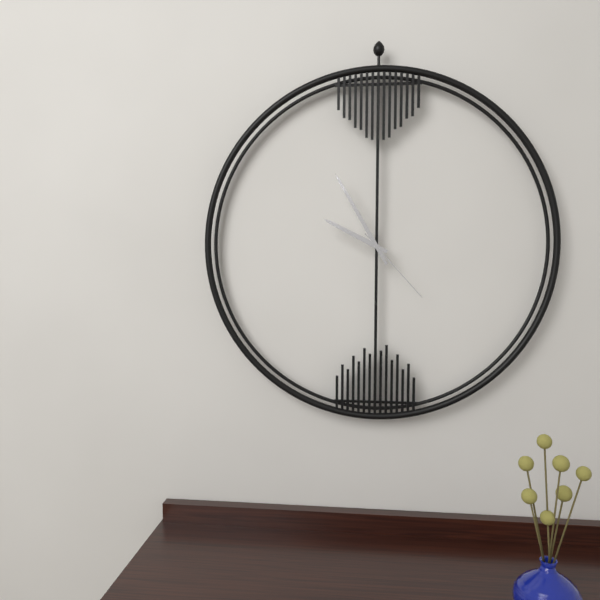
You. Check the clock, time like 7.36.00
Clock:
9.55.23
